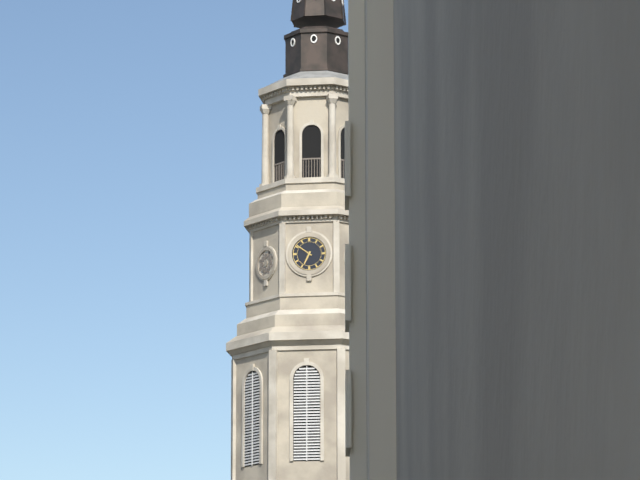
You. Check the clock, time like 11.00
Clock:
6.51
